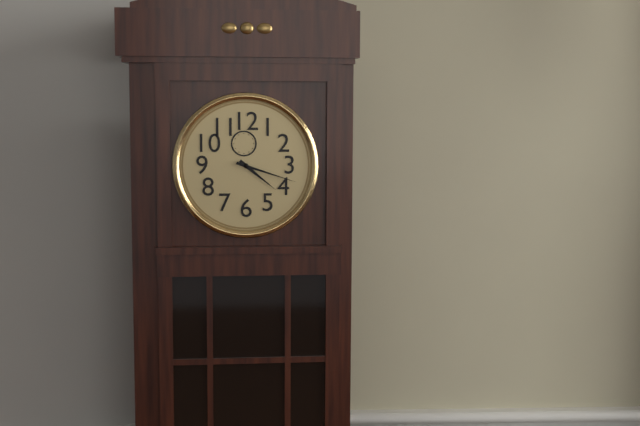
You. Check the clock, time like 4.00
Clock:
4.18
